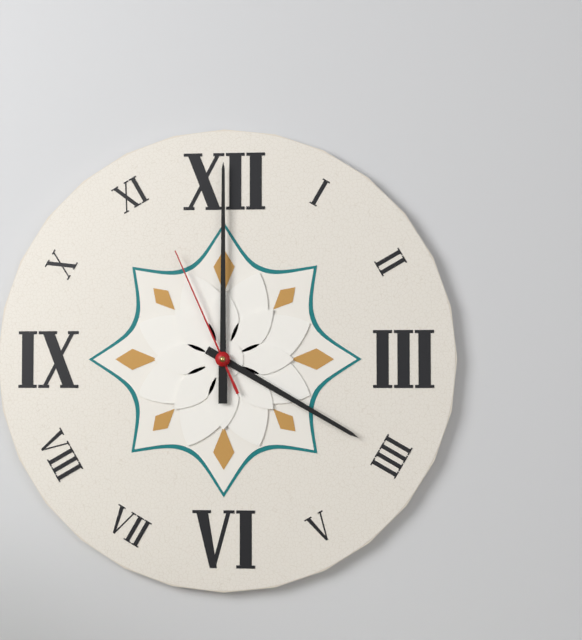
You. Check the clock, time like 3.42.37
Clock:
4.00.56
